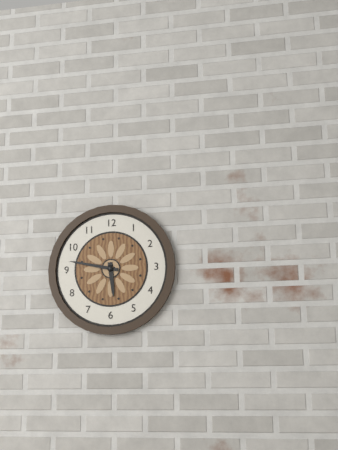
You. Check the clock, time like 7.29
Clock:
5.47
